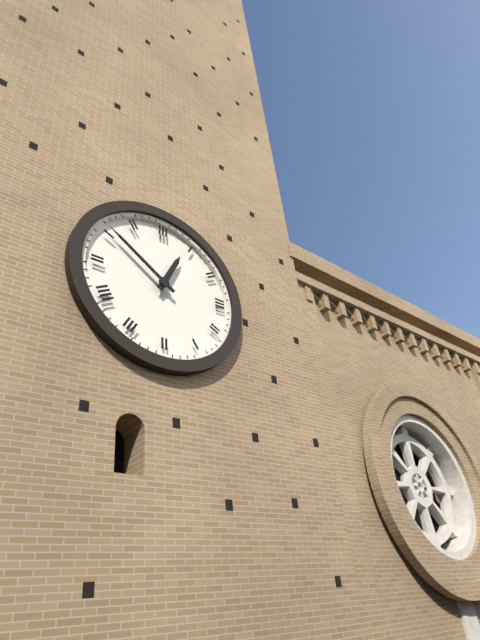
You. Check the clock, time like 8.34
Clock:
12.51
